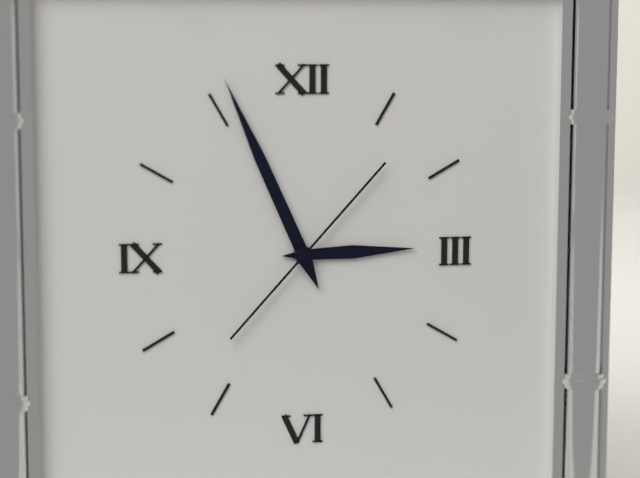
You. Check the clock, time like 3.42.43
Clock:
2.56.07
